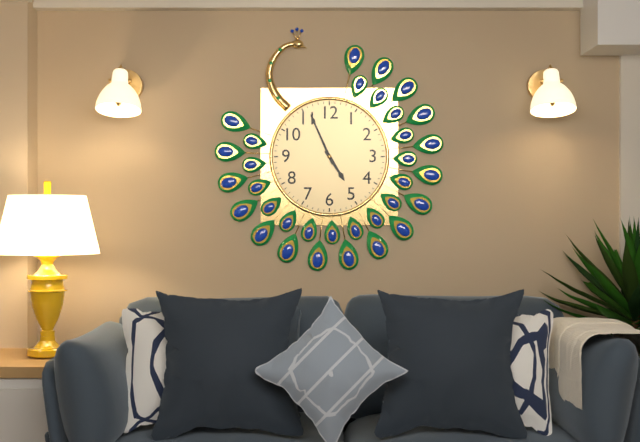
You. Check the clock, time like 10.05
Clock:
4.56
